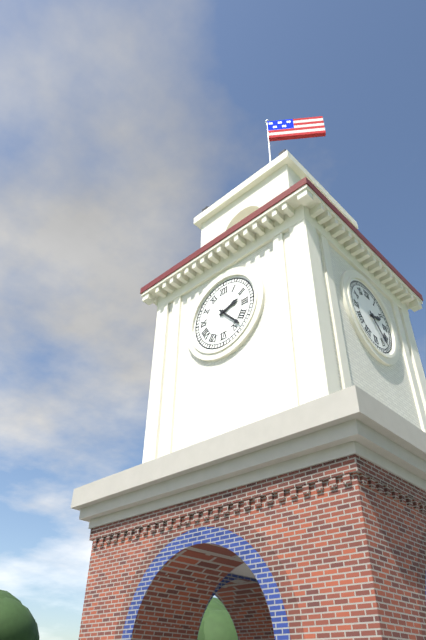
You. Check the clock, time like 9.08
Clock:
2.23
